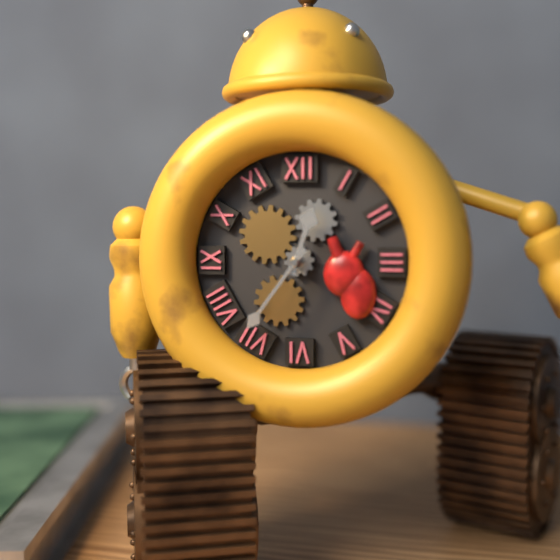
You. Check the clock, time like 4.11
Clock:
12.36
